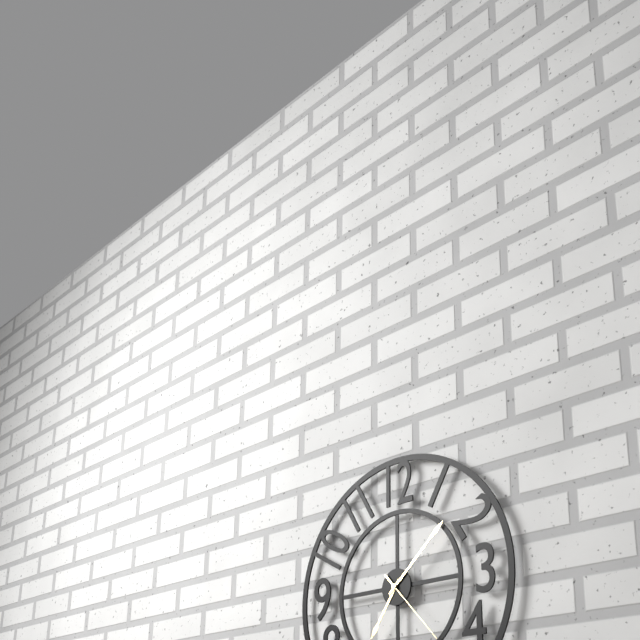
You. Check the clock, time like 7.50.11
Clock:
7.08.23
